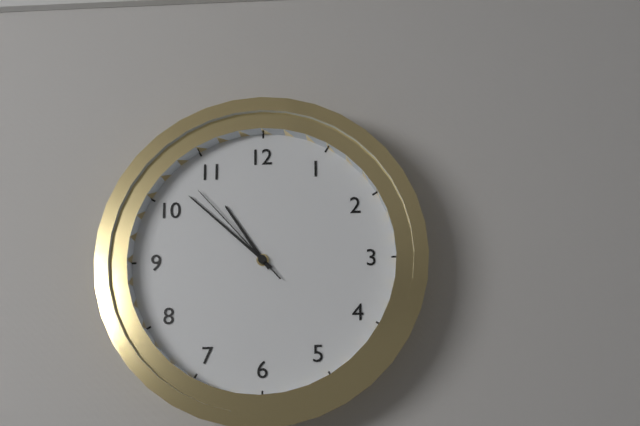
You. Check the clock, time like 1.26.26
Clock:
10.52.53
